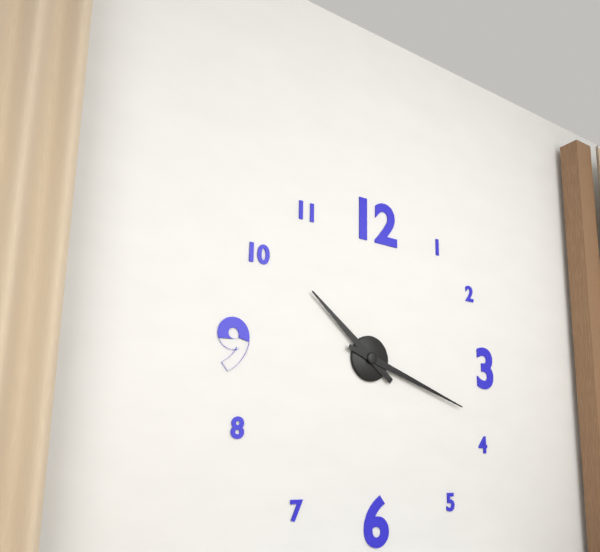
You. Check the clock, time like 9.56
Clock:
10.18
